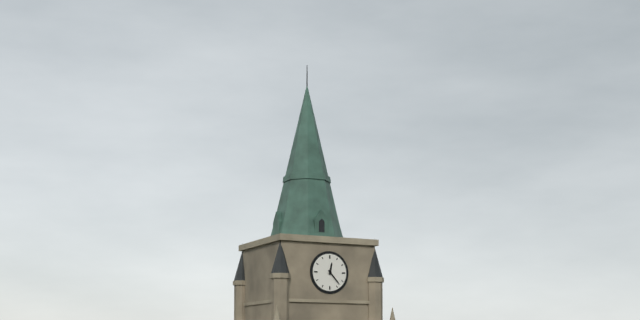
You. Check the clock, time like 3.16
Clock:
12.23
